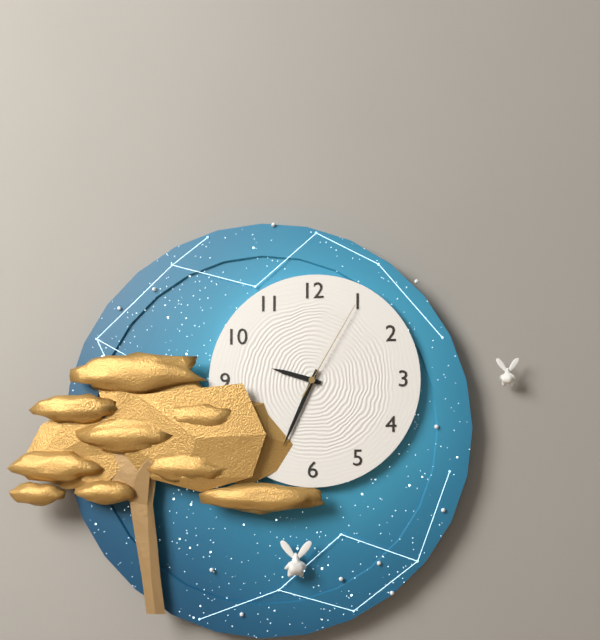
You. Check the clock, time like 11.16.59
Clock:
9.34.05
